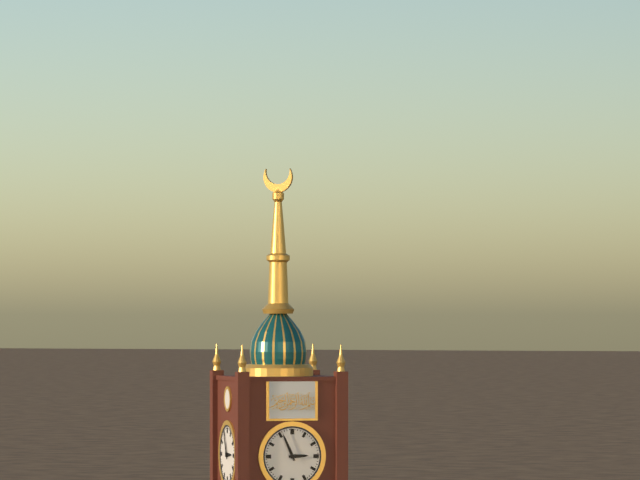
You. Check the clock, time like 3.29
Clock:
2.56
